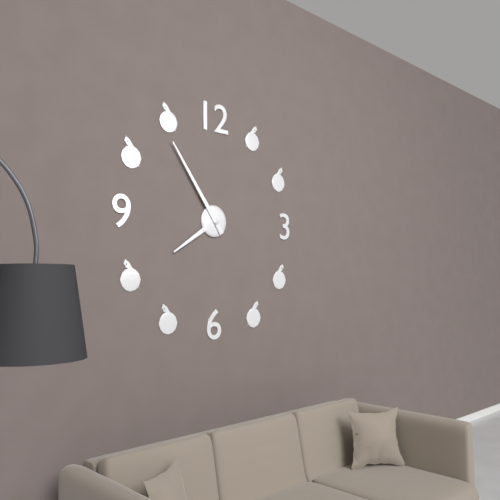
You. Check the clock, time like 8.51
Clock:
7.54
